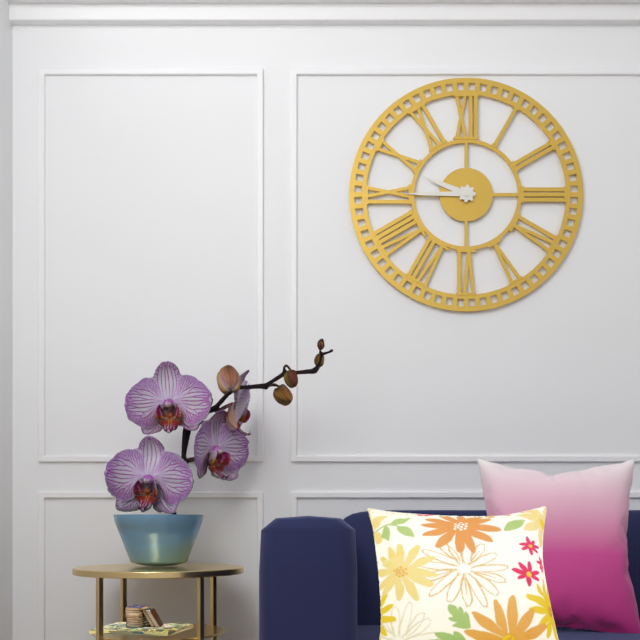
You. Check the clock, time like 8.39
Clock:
9.45
